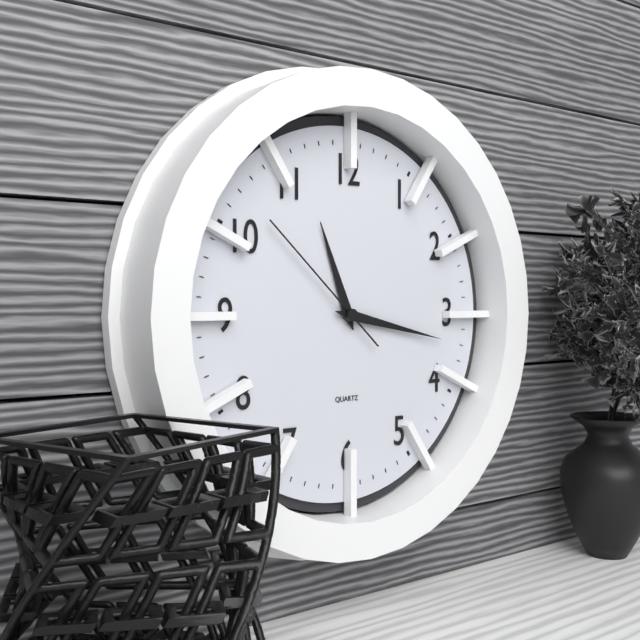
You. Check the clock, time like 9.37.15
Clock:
11.17.52
